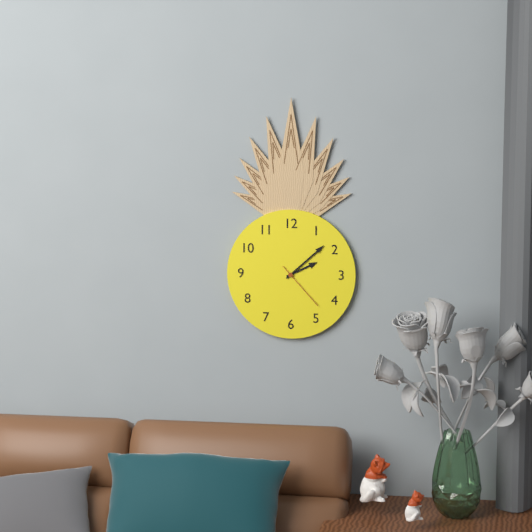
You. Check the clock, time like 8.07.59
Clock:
2.08.23
